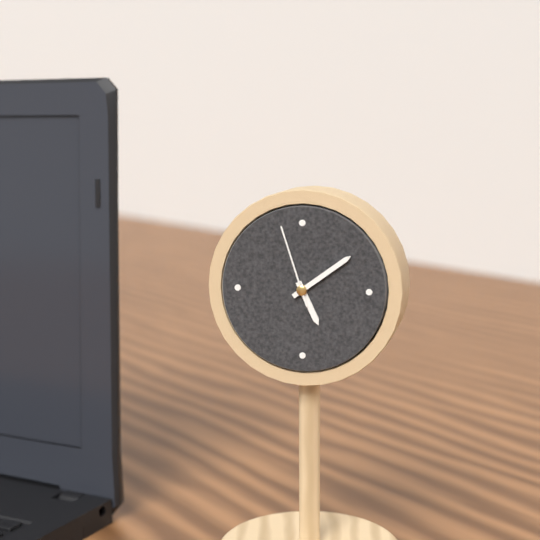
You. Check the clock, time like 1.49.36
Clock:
5.09.57
